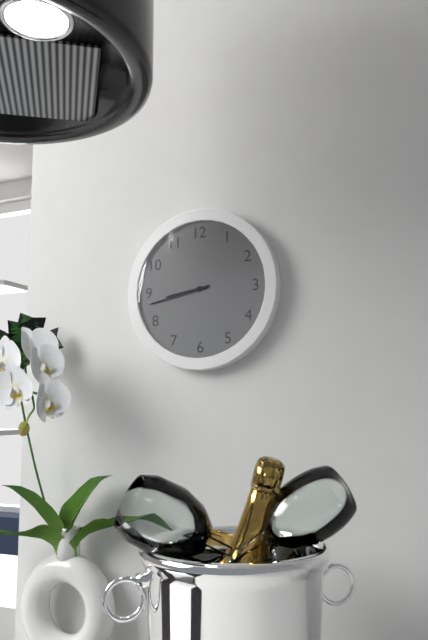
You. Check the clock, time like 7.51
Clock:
8.43
